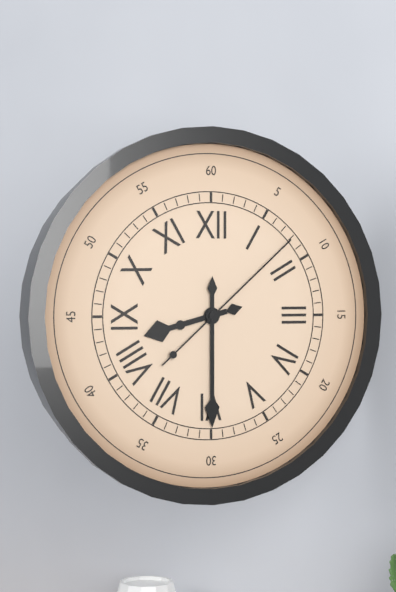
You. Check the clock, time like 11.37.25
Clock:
8.30.08
